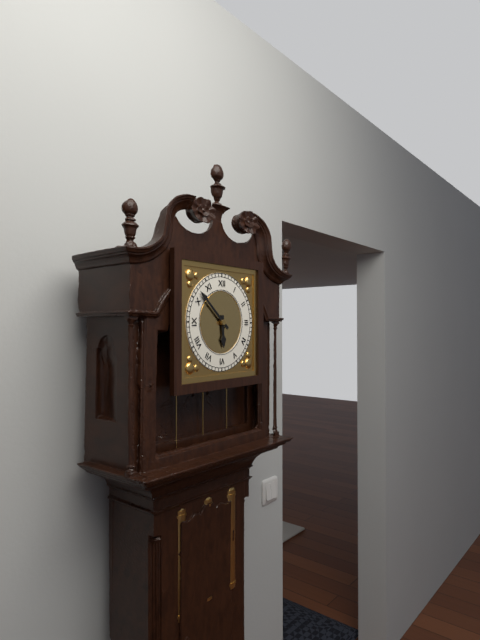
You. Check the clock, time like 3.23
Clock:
5.52
